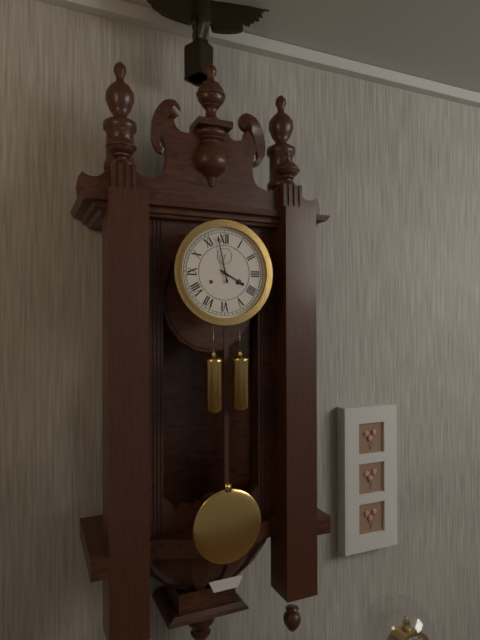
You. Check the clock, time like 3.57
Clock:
3.58
